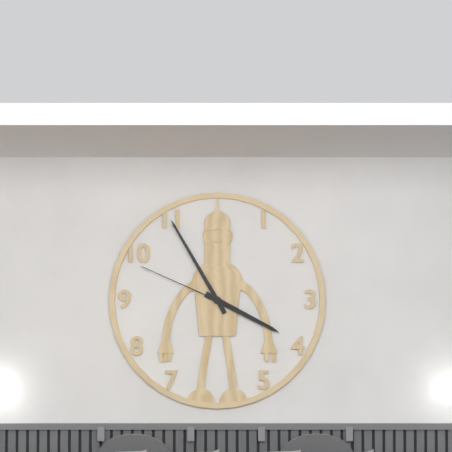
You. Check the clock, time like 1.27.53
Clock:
3.55.49
